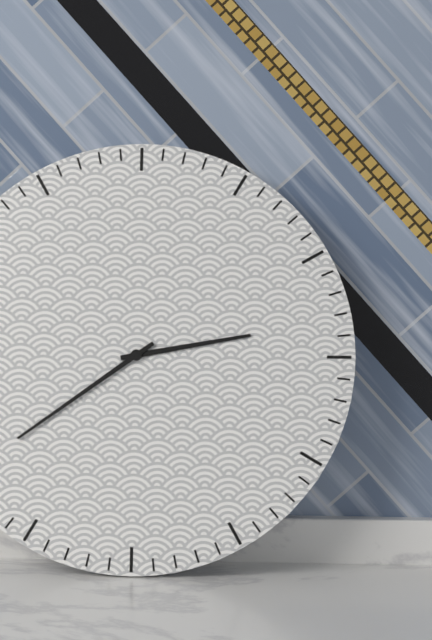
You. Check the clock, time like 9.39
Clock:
2.39
